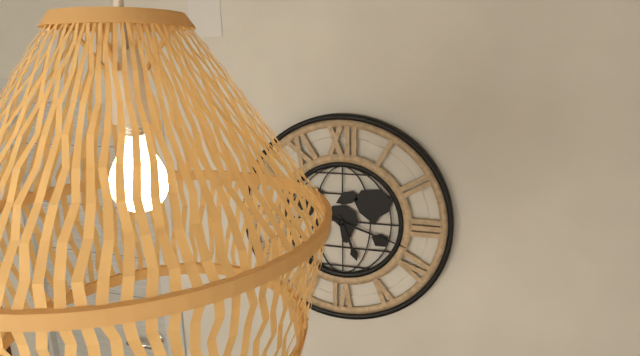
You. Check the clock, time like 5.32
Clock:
5.18
